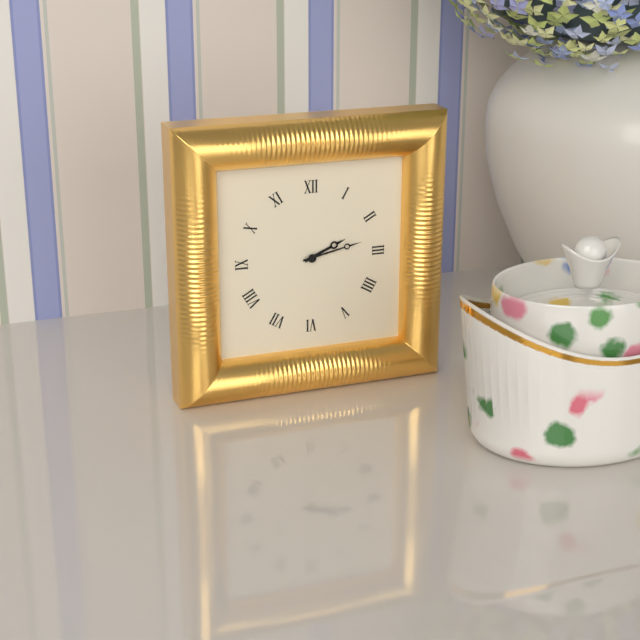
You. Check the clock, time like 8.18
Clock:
2.13
